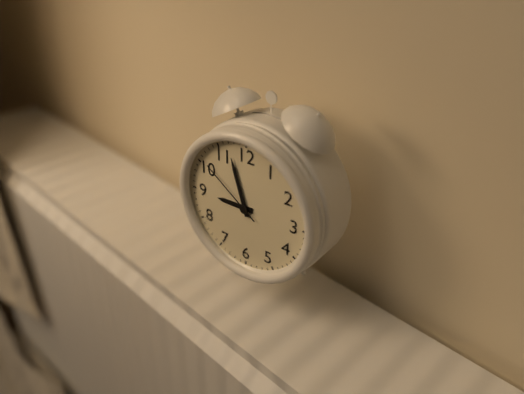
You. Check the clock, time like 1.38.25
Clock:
8.57.51
